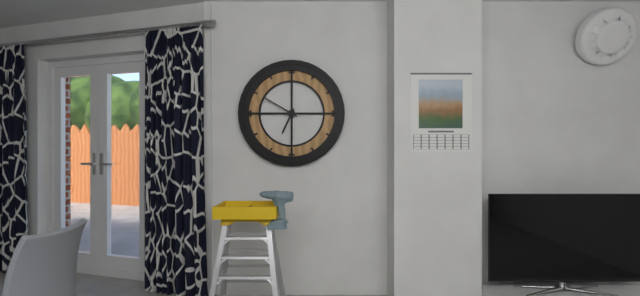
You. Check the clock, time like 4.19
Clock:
6.50
